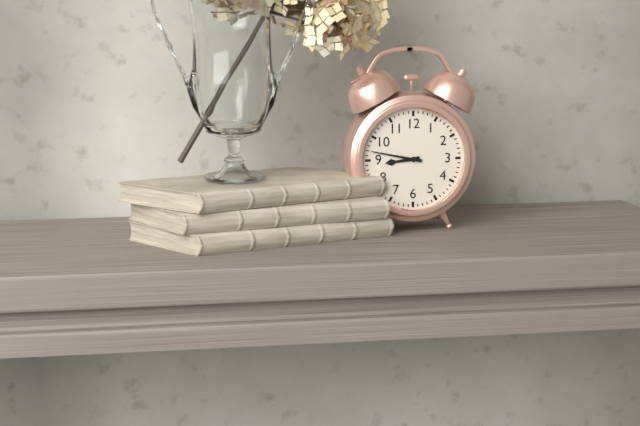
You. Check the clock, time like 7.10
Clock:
8.47
